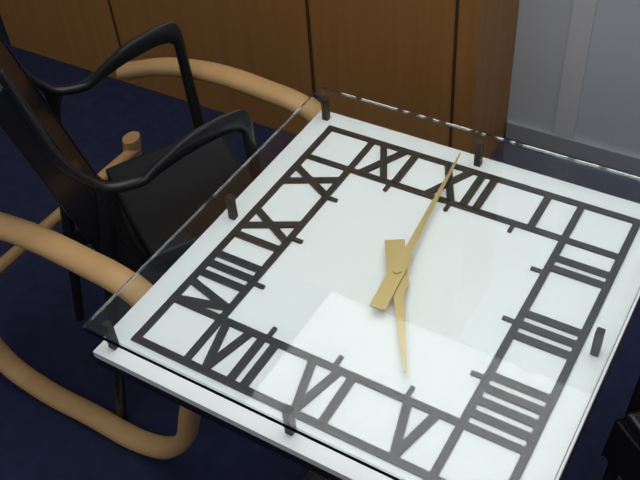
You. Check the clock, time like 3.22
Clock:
4.59
